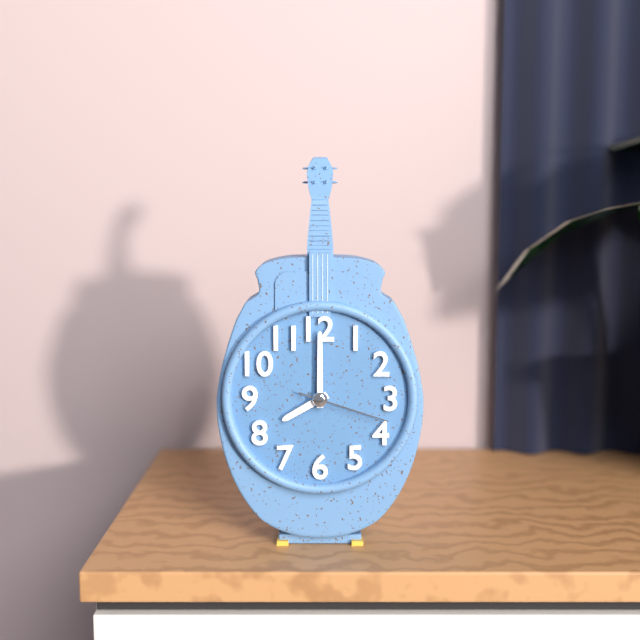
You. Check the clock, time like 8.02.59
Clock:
8.00.18
